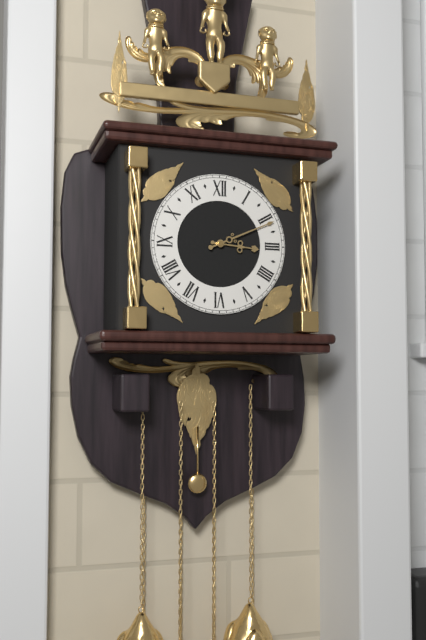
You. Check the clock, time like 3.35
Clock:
3.11
